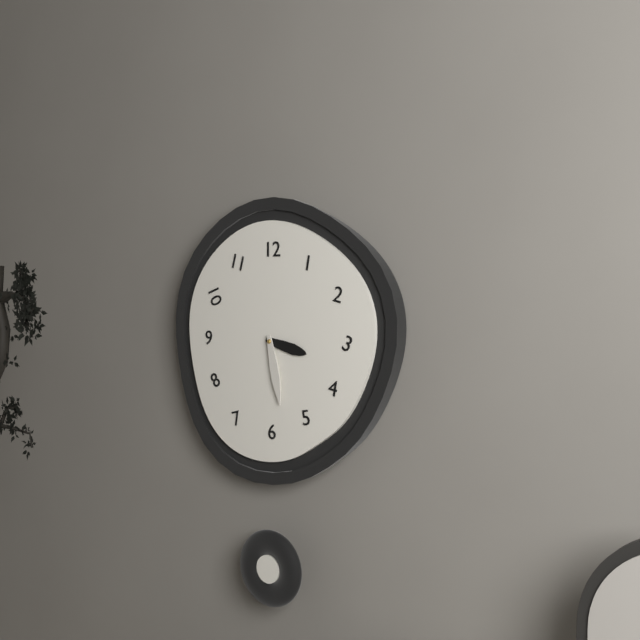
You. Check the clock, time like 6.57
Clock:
3.28
